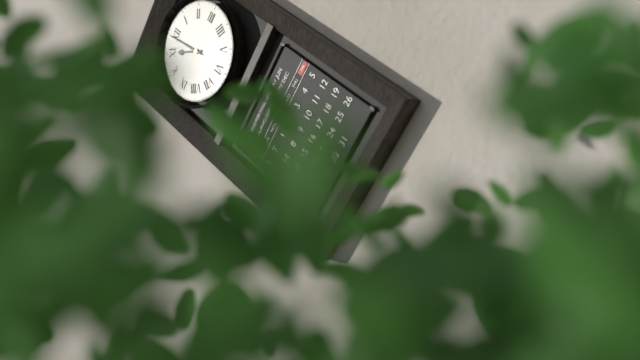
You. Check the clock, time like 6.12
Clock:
10.59
